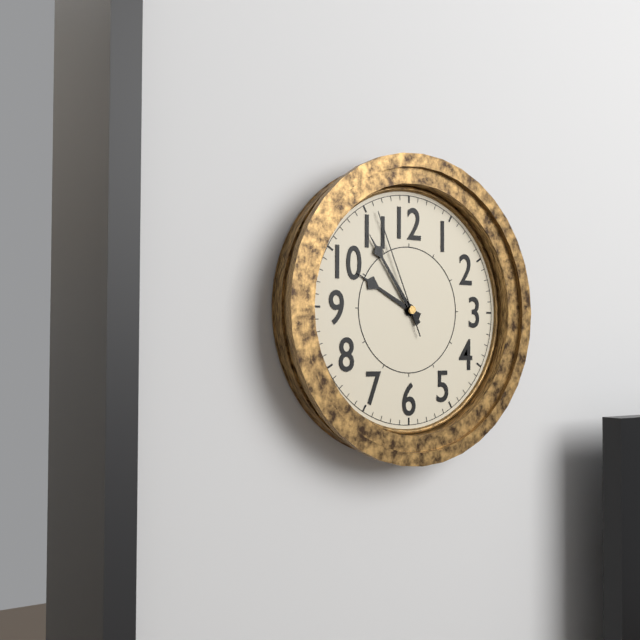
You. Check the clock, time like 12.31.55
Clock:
9.54.56
